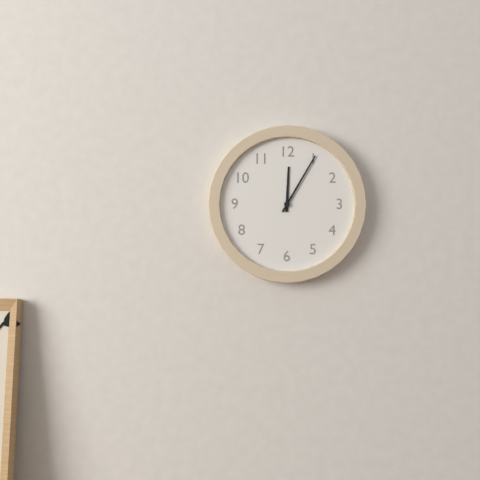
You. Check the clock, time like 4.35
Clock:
12.05
